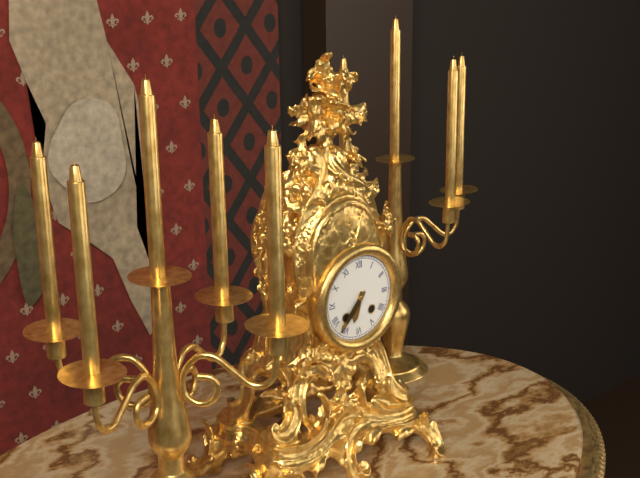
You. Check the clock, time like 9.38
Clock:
6.37
